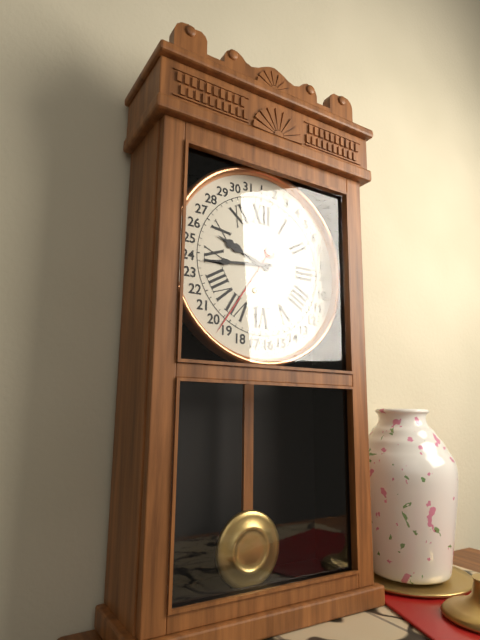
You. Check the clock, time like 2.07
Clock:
9.44
